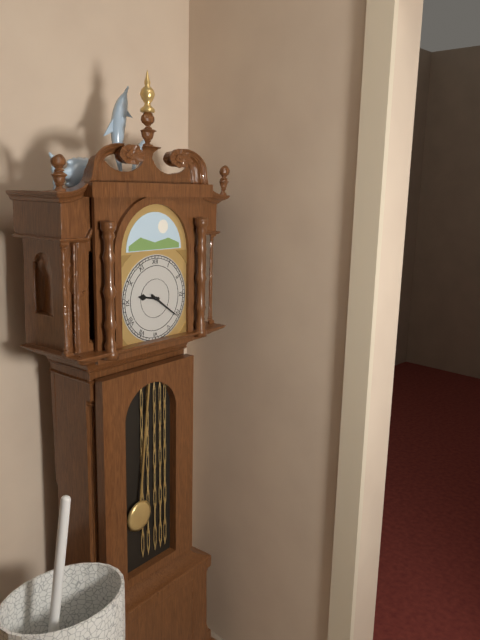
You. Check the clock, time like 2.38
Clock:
9.21
